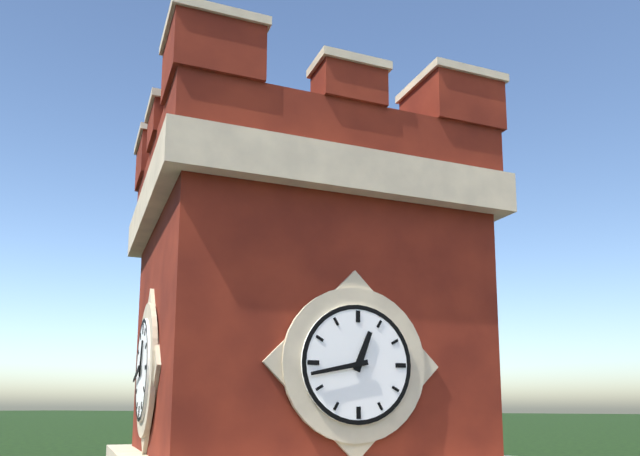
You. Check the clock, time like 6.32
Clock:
12.43
